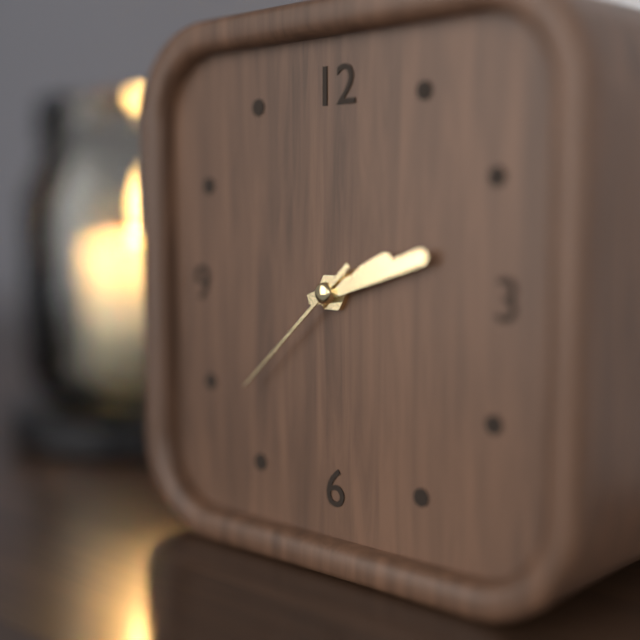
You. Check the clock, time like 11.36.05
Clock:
2.12.38
